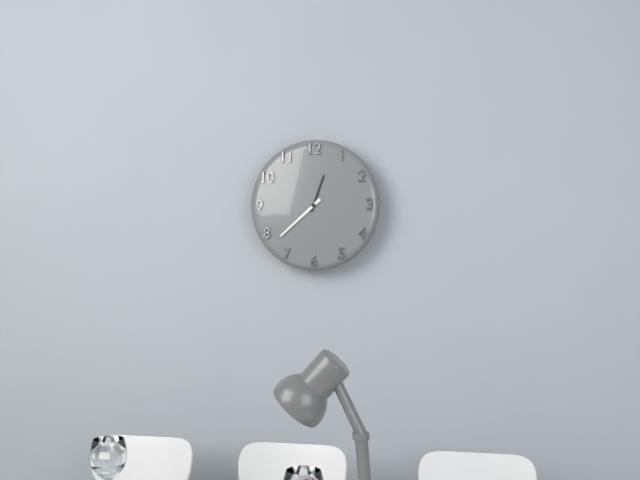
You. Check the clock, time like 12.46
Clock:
12.38
